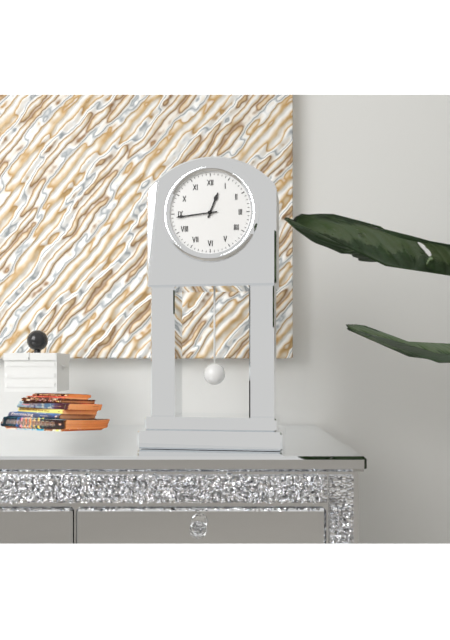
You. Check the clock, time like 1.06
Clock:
12.44
